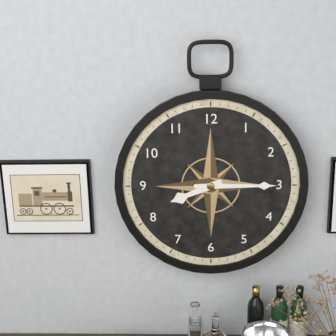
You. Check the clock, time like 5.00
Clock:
8.15
